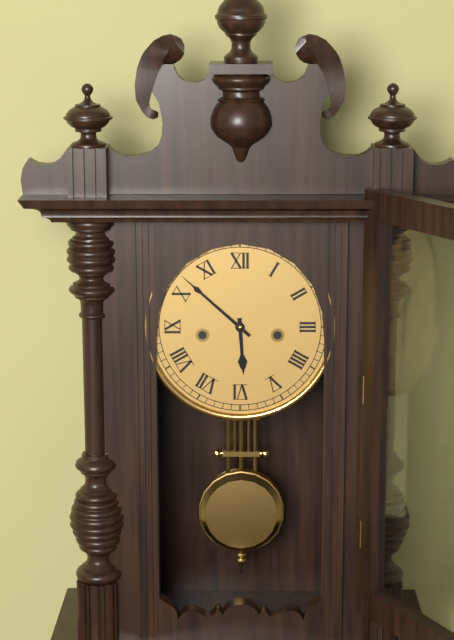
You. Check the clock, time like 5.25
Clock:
5.52
